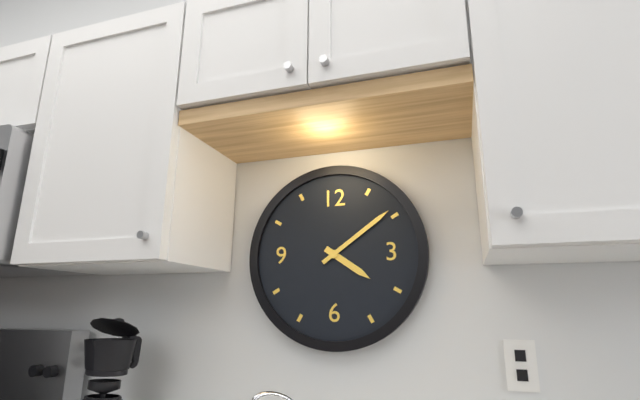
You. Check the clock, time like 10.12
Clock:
4.09
